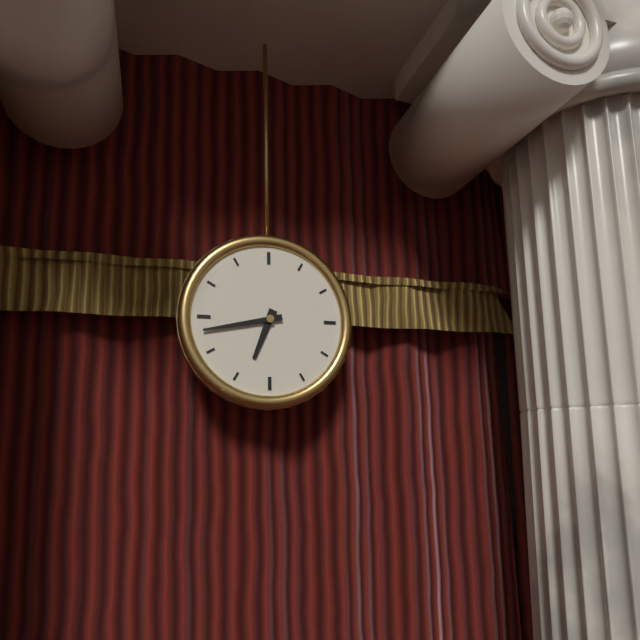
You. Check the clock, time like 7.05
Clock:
6.43
